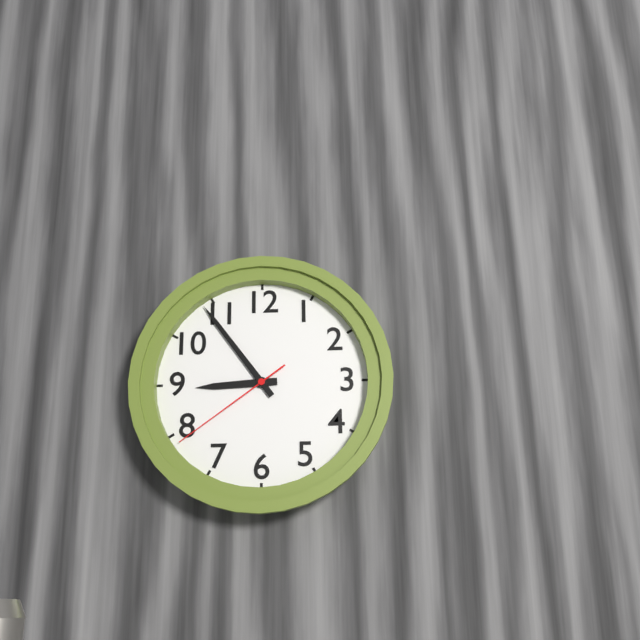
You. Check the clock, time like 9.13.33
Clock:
8.54.39
